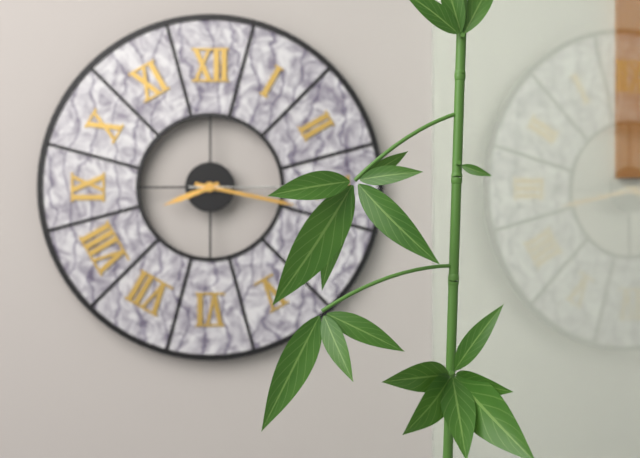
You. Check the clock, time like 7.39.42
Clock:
8.17.15
